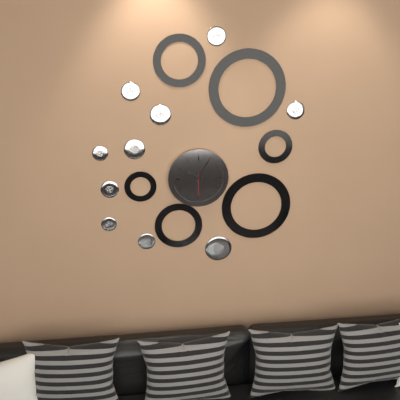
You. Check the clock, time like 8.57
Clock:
10.05
